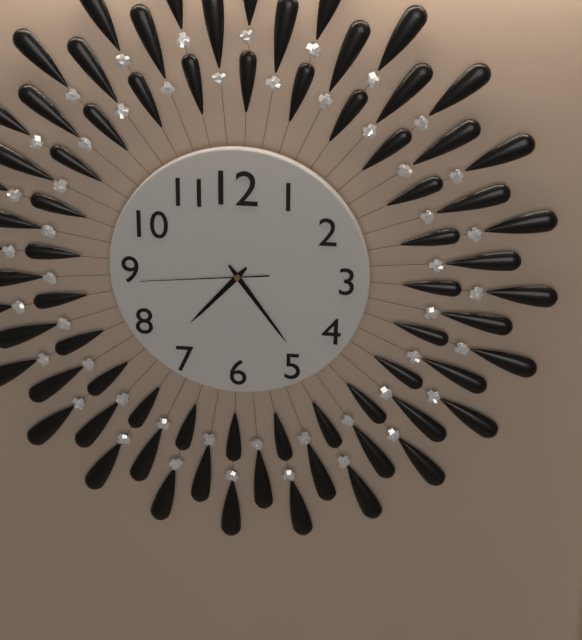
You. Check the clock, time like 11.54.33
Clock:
7.24.44
